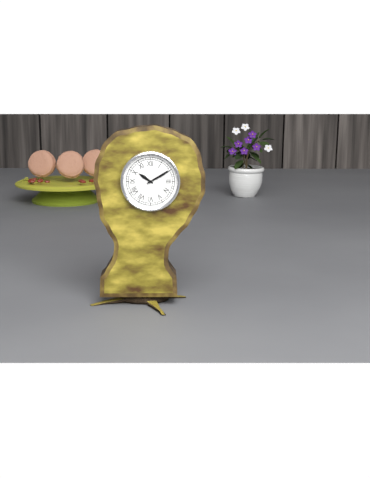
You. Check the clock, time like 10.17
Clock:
10.10
